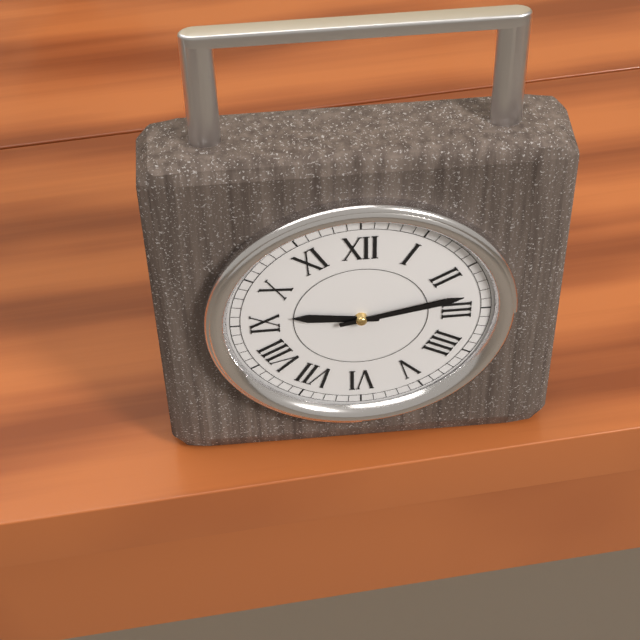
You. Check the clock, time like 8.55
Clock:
9.13
